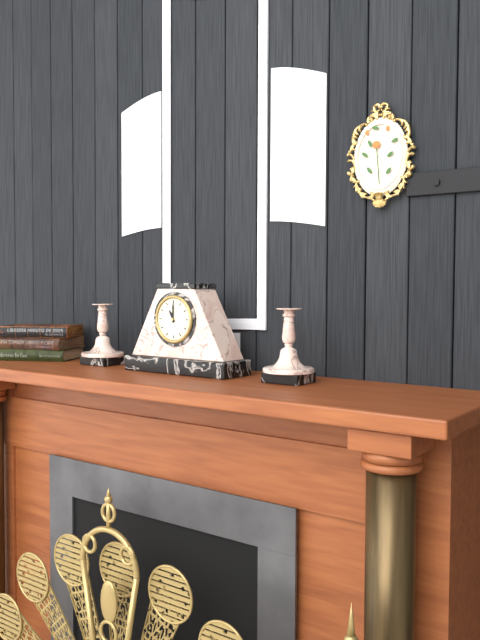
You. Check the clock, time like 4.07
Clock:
11.00
